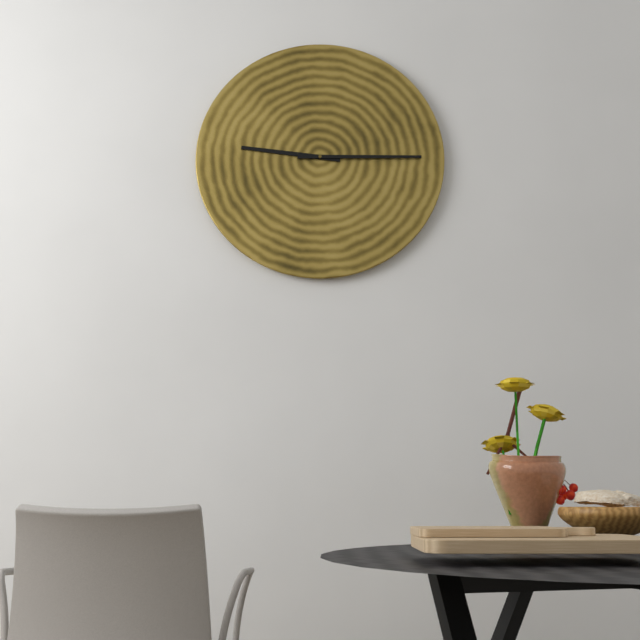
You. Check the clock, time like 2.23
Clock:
9.15
